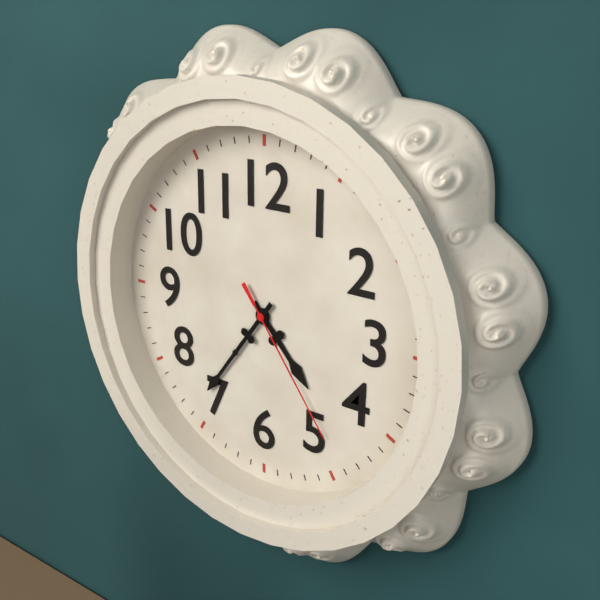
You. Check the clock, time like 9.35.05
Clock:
4.36.24
